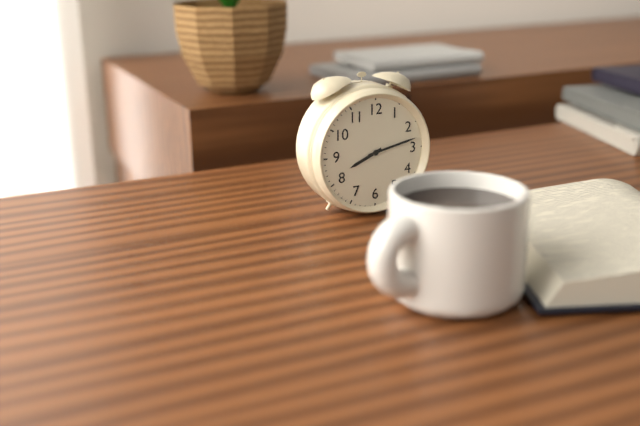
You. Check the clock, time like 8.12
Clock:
8.13
